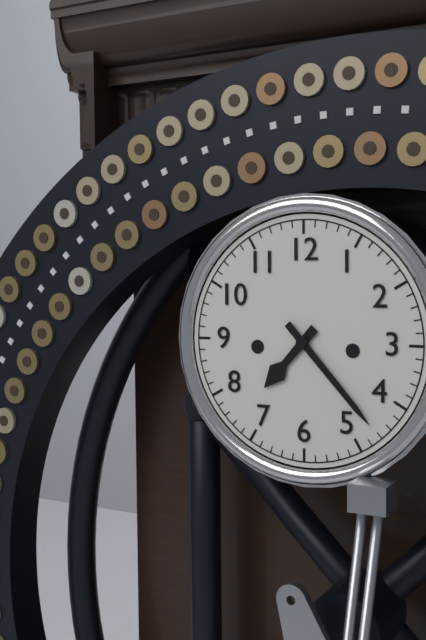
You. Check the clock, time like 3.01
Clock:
7.23
